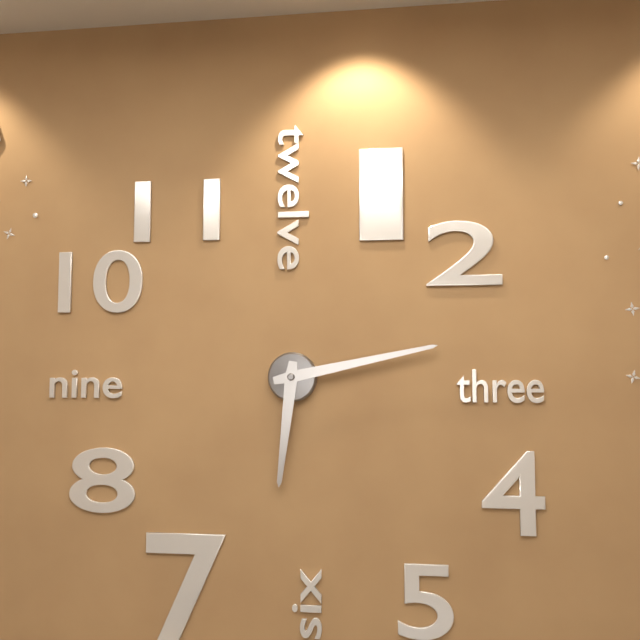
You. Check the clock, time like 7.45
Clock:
6.13
